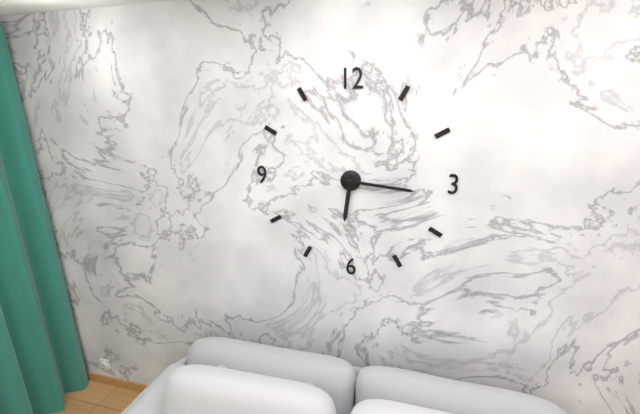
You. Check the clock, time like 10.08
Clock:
6.16
